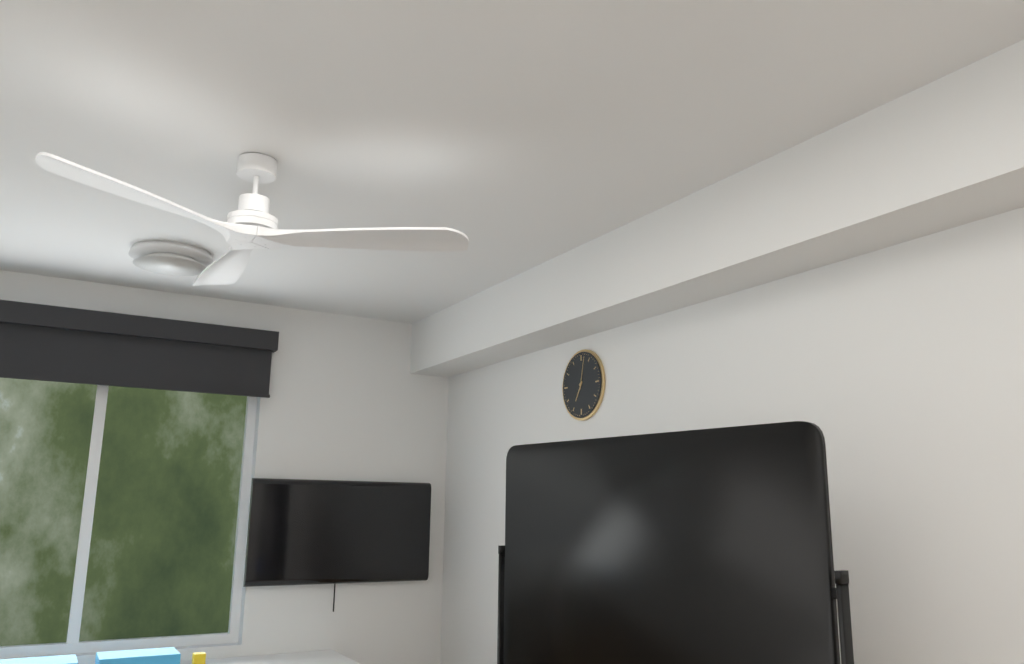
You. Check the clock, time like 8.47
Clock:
7.02
